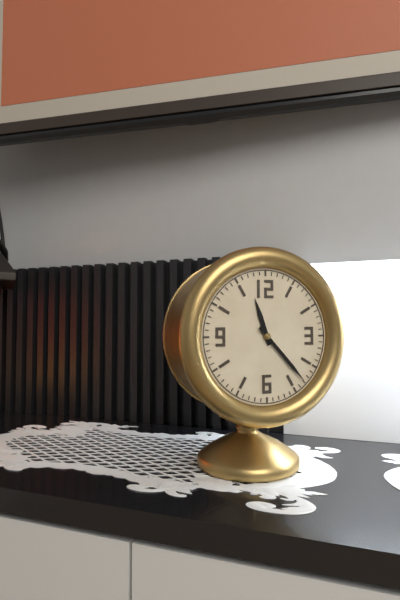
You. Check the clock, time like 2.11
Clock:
11.23
